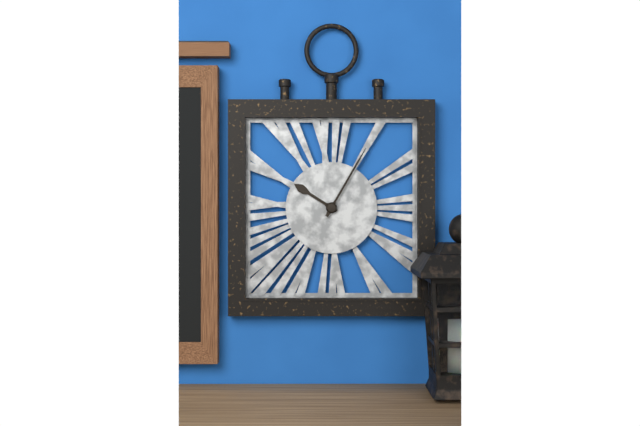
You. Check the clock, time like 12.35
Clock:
10.05
